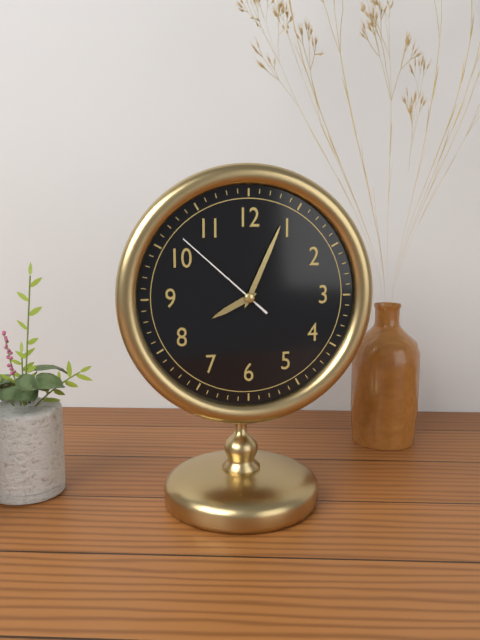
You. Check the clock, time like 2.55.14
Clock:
8.04.52
